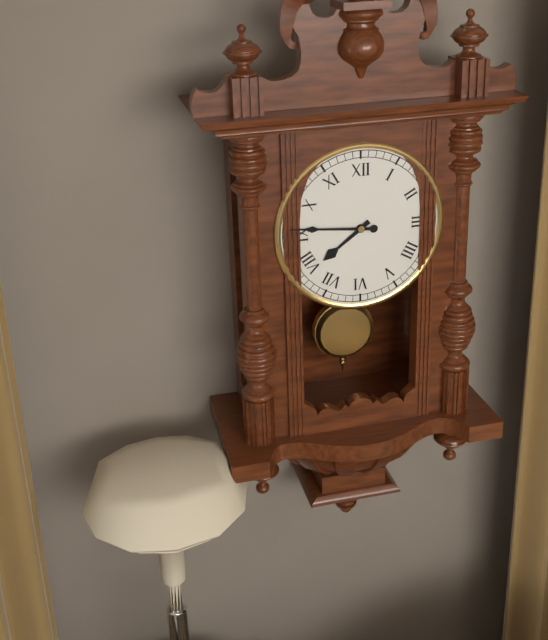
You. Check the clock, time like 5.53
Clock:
7.46
